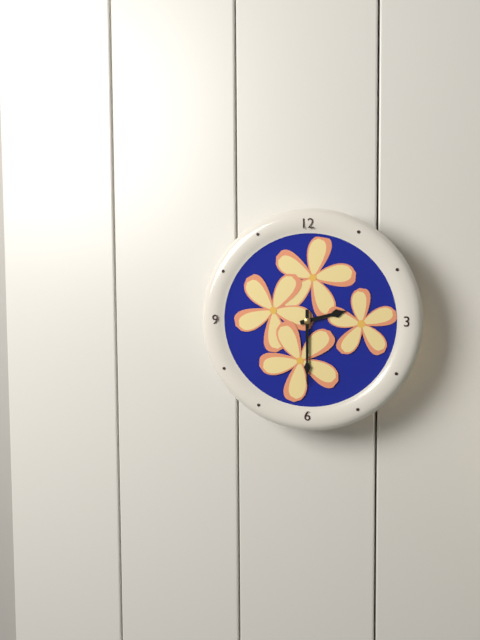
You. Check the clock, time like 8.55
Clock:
2.30
